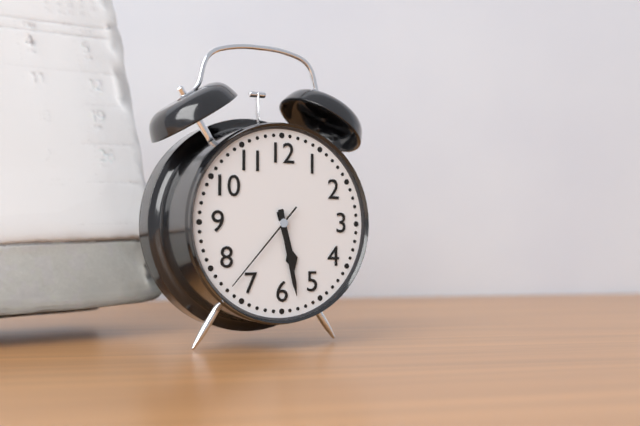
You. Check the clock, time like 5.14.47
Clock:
5.28.37
